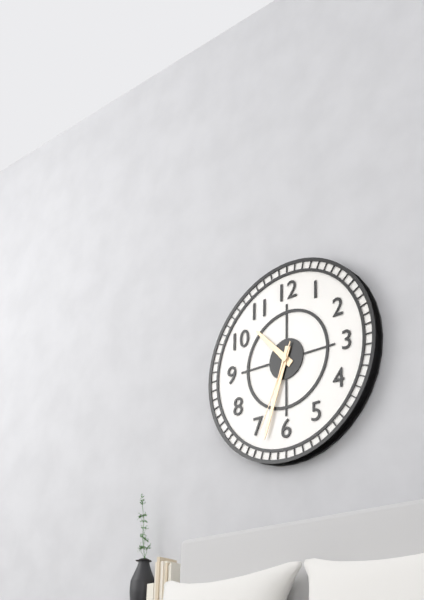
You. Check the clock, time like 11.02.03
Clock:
10.33.34
